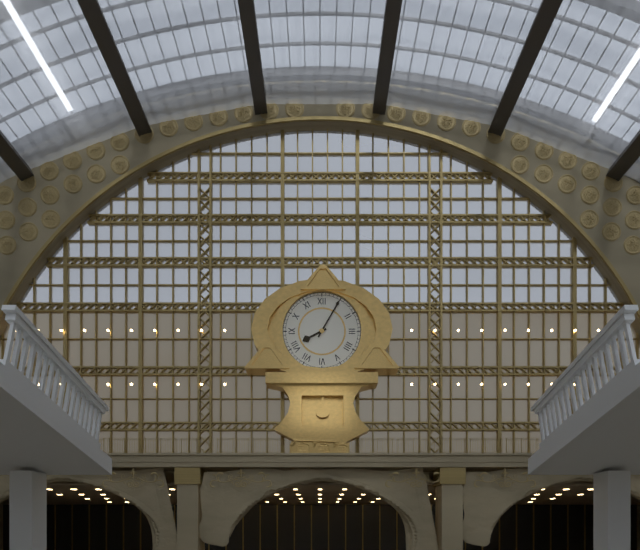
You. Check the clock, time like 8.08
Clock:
8.05
